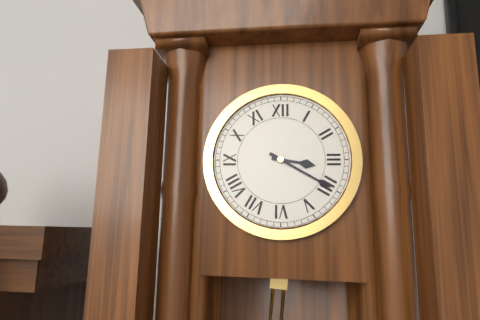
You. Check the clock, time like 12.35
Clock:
3.20
